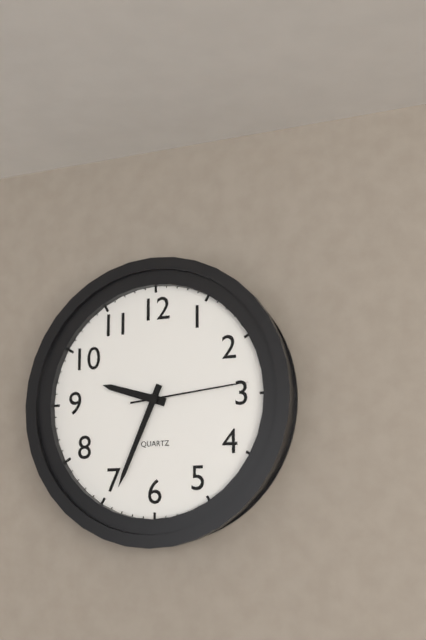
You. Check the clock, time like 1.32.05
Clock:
9.34.14
